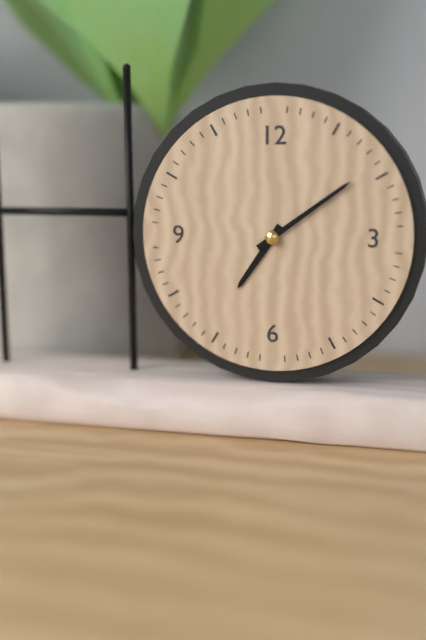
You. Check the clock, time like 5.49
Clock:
7.09
